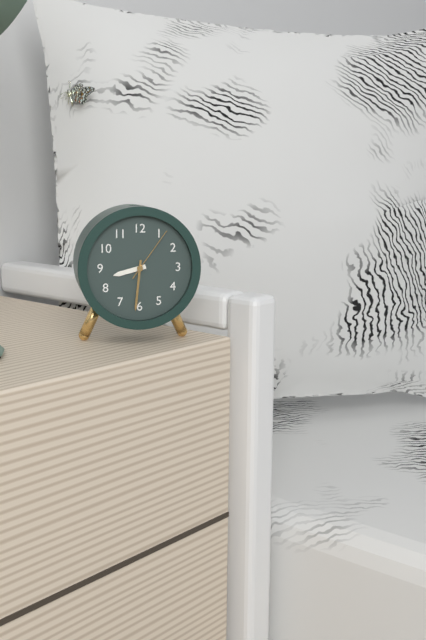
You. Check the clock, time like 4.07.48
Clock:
8.31.06
